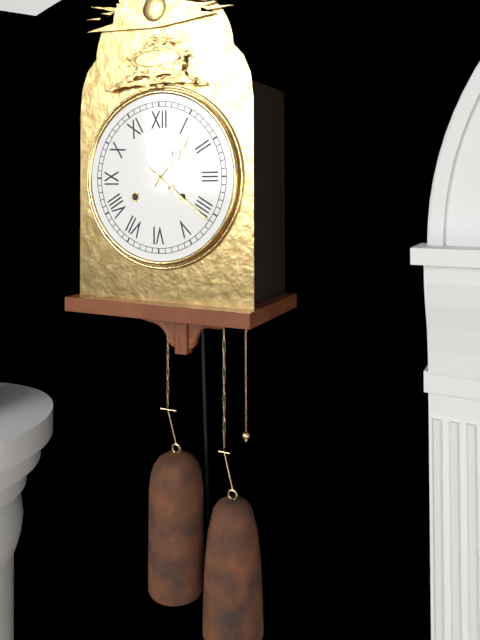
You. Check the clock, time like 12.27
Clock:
1.21
